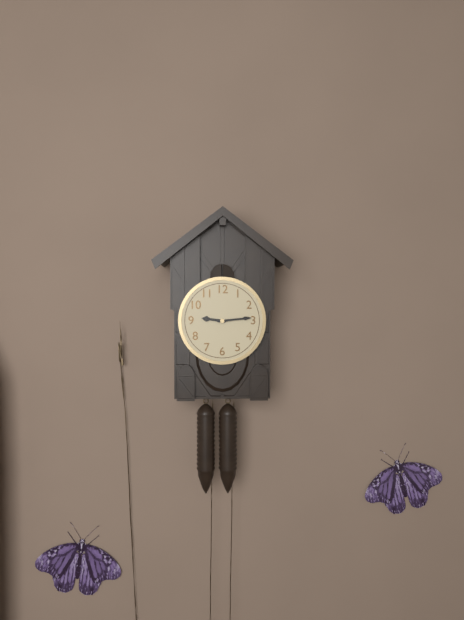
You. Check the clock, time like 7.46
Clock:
9.14
